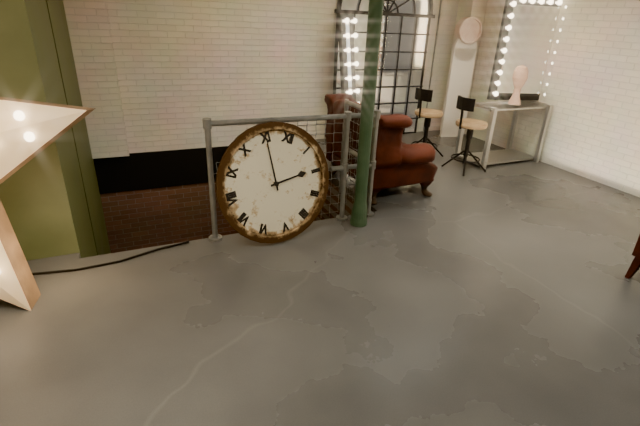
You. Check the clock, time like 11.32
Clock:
1.55
